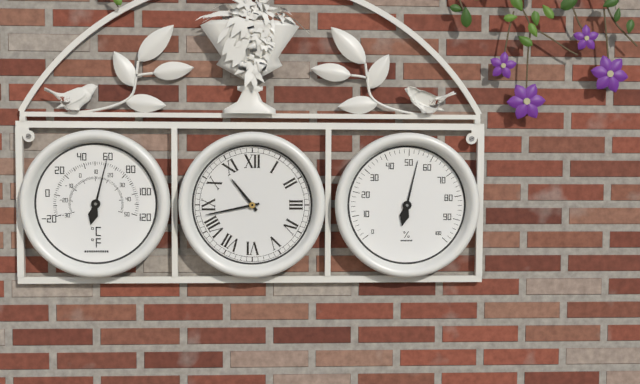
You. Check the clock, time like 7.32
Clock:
10.43
